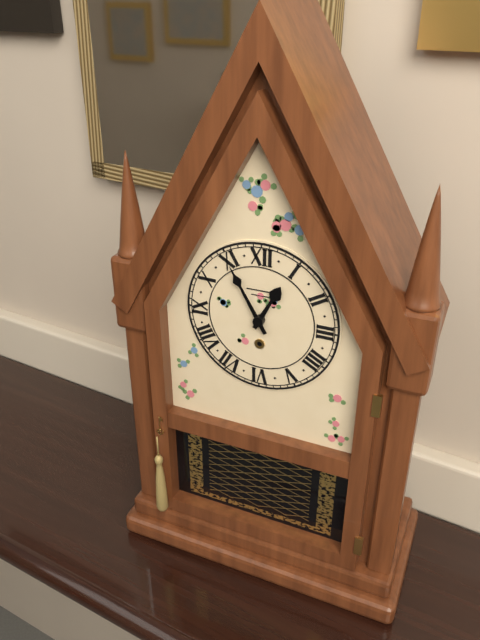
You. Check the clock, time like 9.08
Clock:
12.55
